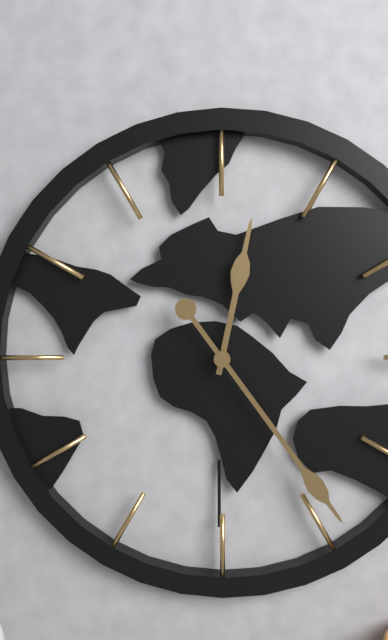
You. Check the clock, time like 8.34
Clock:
12.24
